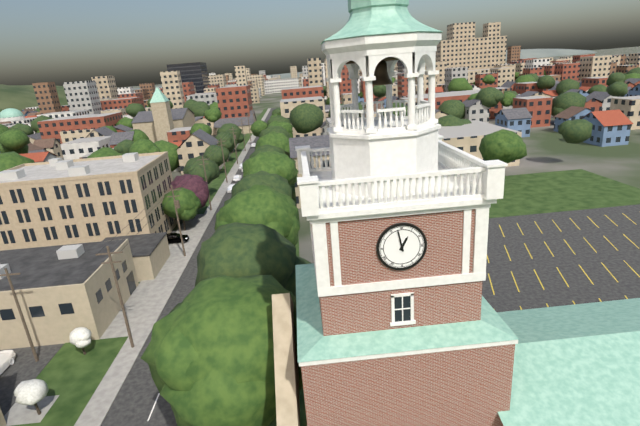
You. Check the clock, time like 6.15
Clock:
12.58
